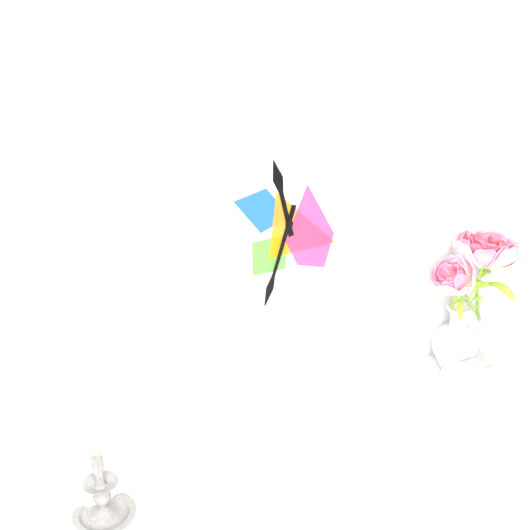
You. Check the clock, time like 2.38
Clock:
11.33
